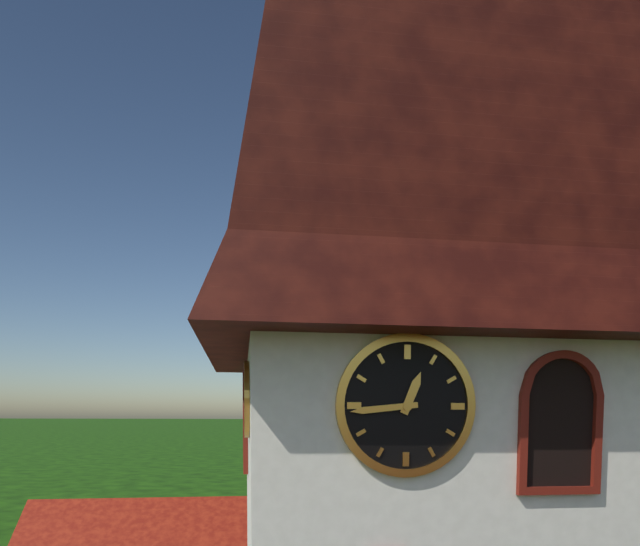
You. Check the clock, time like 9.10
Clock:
12.44
